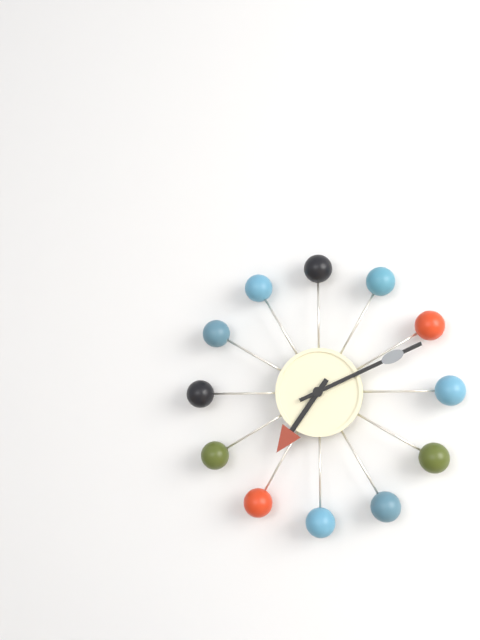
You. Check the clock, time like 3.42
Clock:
7.11
